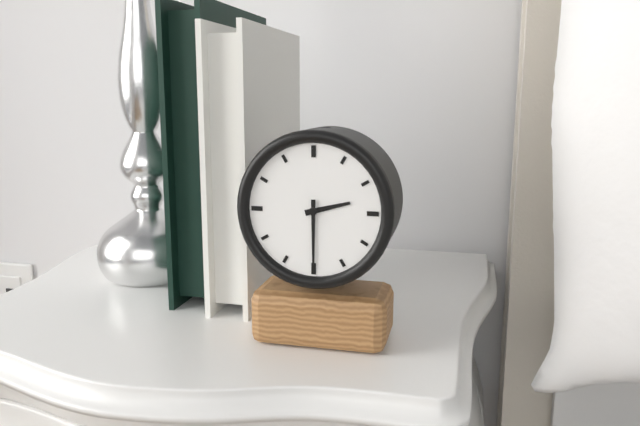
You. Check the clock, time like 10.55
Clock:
2.30
